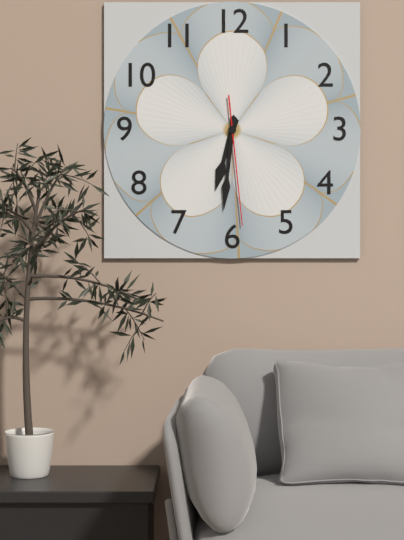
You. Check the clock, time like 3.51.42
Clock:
6.31.29
